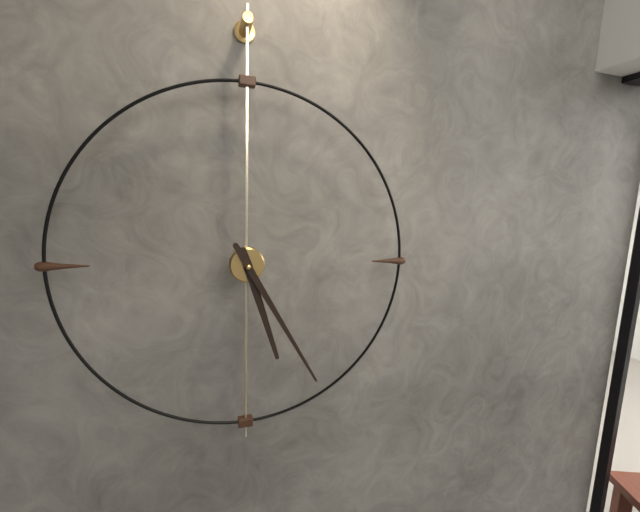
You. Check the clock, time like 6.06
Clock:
5.25
